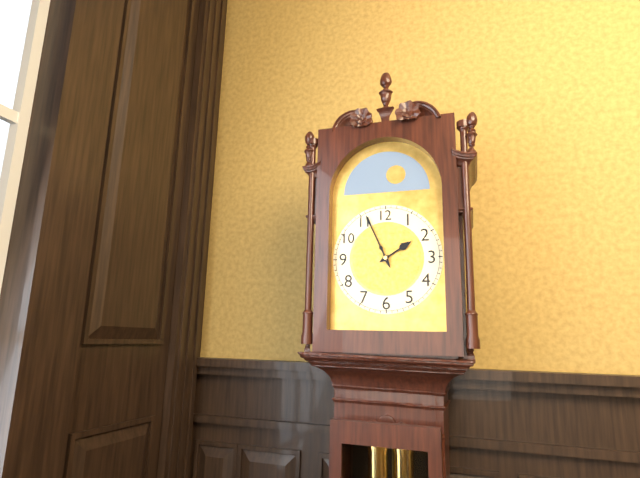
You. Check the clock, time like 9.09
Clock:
1.56
